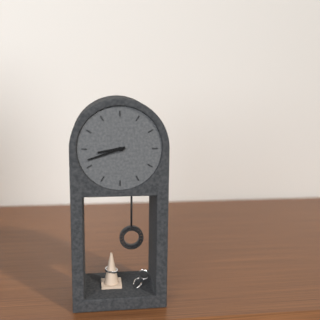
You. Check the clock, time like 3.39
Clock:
8.42
